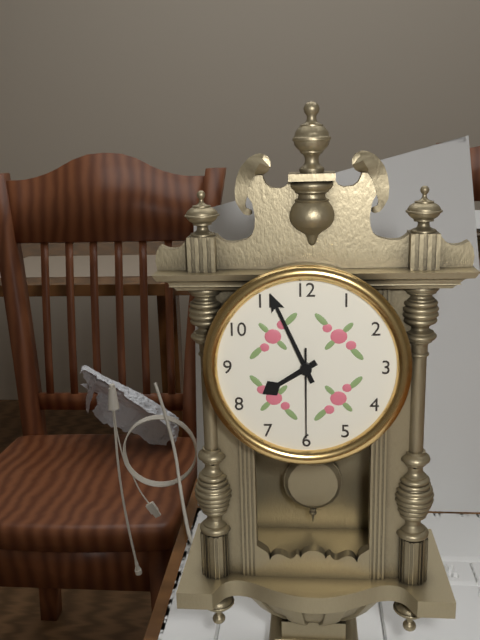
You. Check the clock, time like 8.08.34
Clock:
7.56.30
